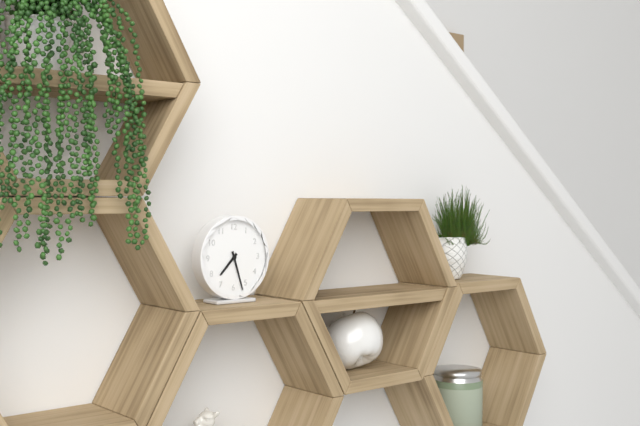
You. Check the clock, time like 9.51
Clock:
7.27
